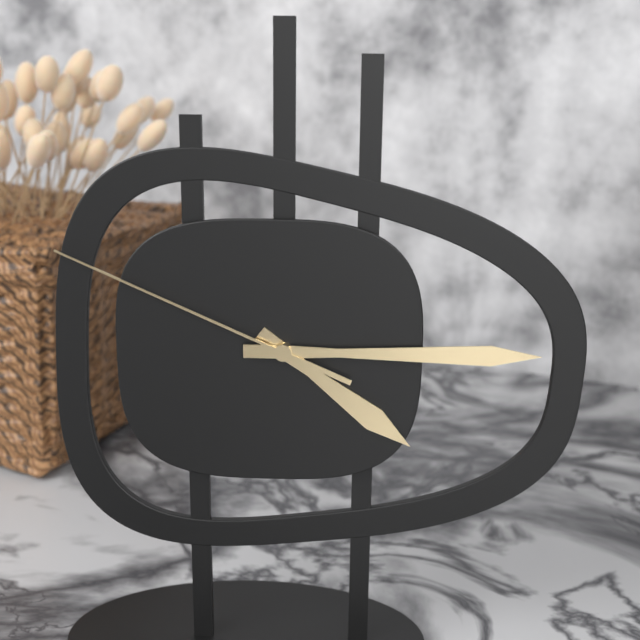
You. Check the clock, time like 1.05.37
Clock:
4.15.49
